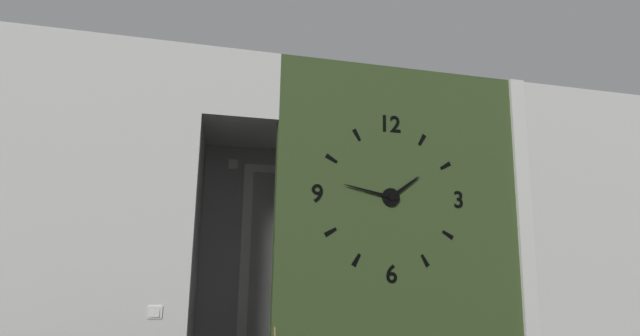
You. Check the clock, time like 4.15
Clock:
1.47
